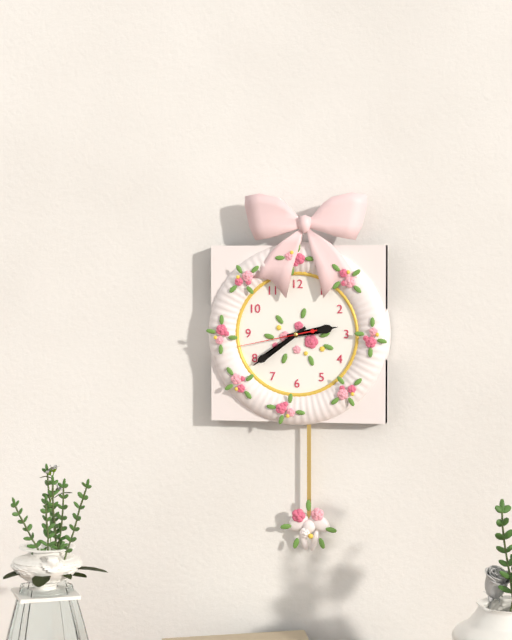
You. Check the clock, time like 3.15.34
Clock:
2.39.43
